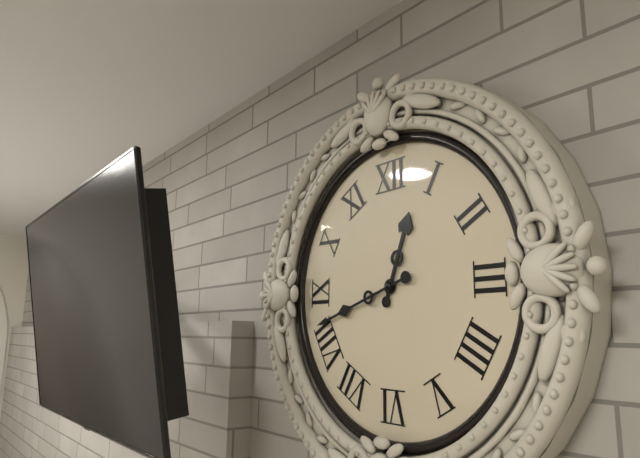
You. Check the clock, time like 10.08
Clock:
12.42
